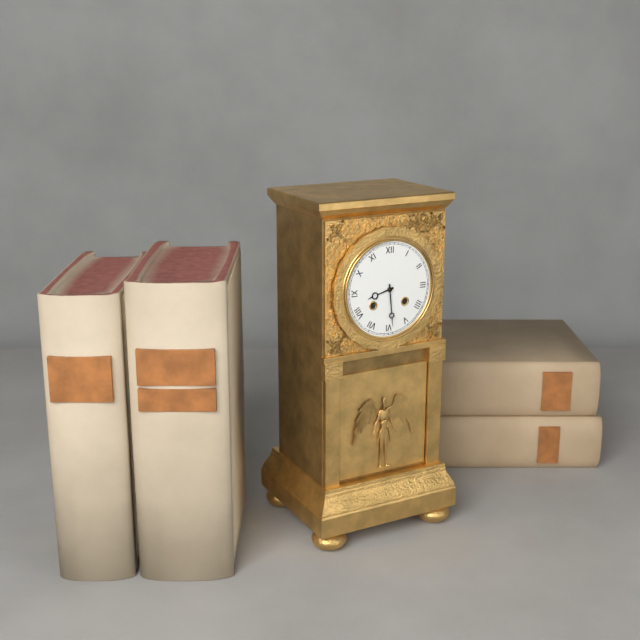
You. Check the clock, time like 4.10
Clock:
8.29
